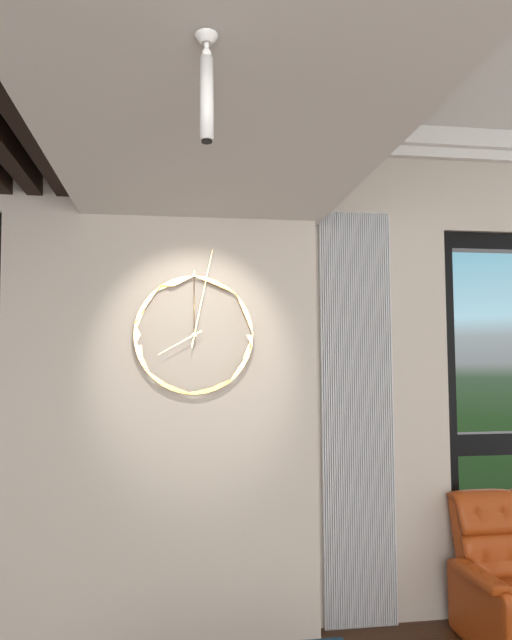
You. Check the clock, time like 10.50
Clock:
8.02
